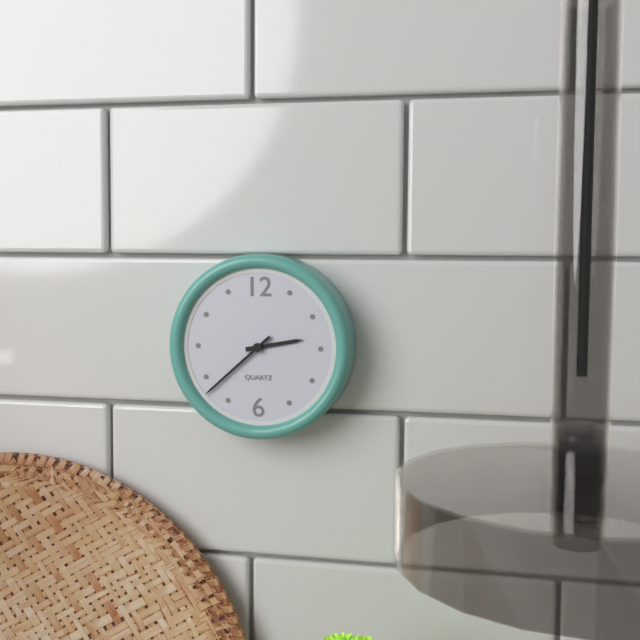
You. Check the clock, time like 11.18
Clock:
2.38
